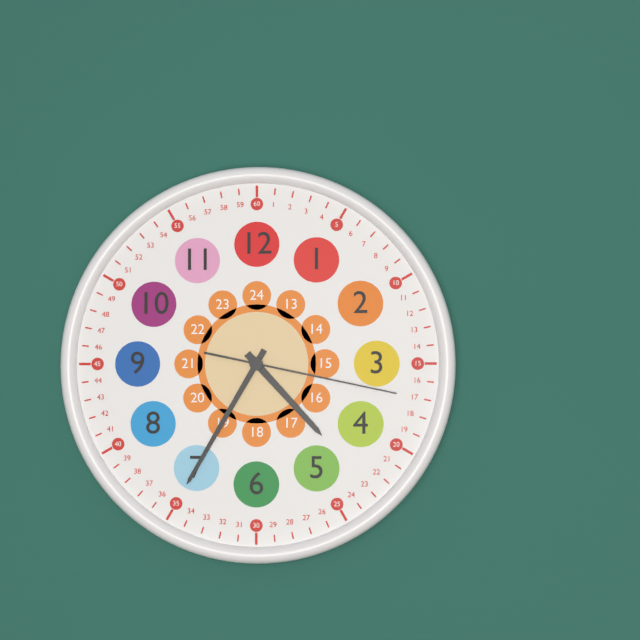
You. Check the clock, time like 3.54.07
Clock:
4.35.17
